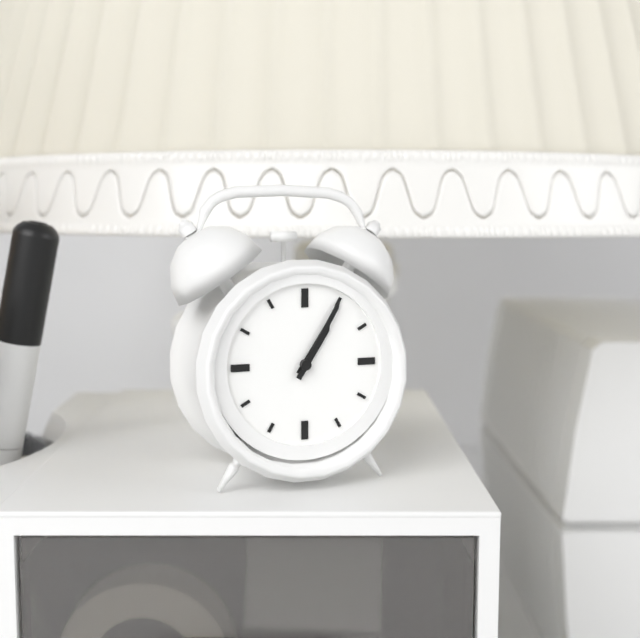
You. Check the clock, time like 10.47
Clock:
1.05
